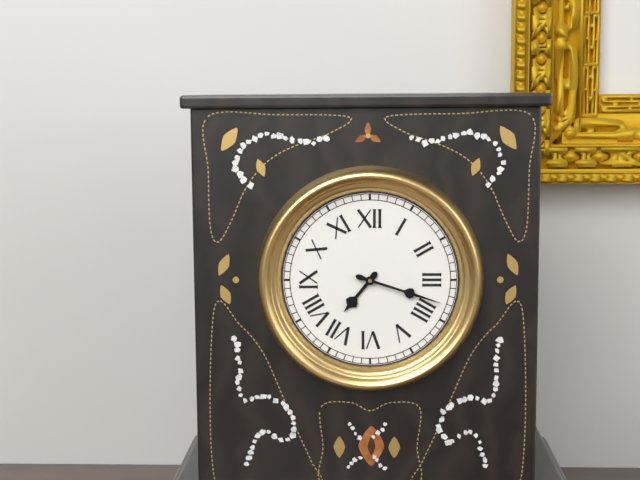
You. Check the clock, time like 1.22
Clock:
7.18
